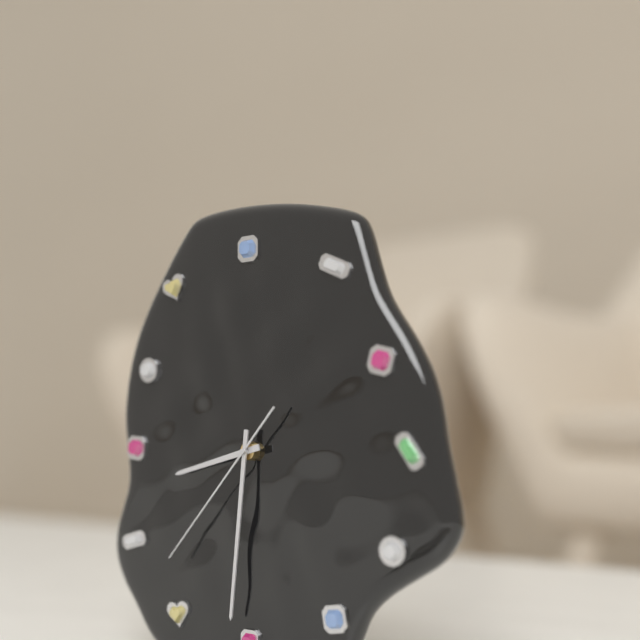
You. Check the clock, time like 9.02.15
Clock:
8.31.37
